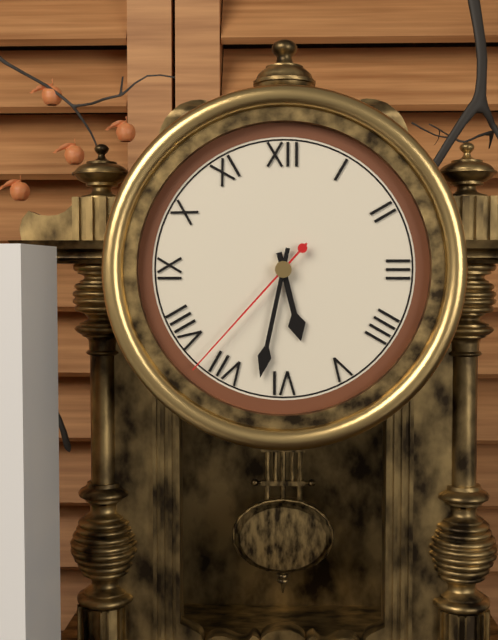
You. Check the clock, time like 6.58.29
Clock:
5.32.37
